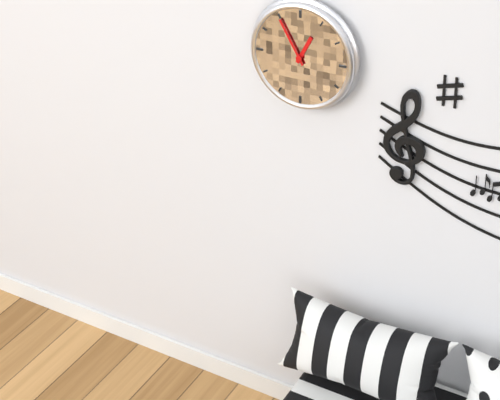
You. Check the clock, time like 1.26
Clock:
12.55
